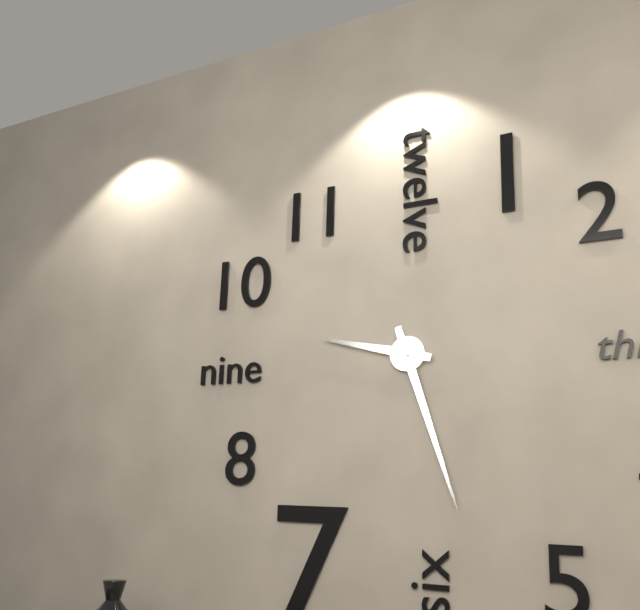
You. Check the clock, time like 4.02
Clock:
9.27
